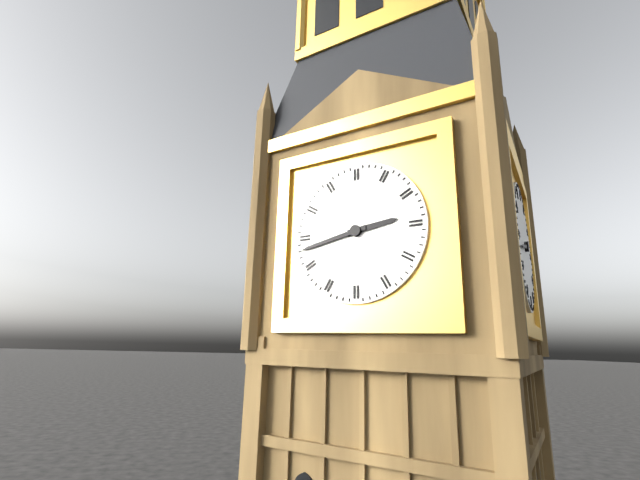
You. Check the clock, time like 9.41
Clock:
2.43
